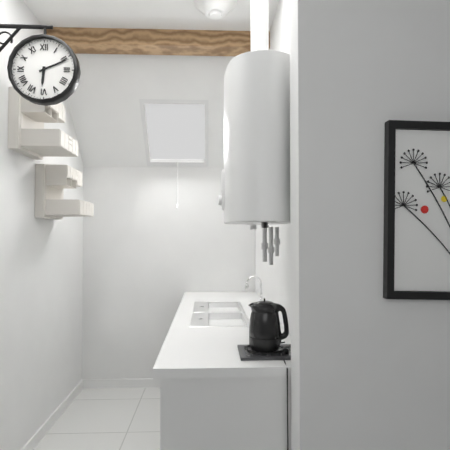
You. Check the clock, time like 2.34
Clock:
6.11
